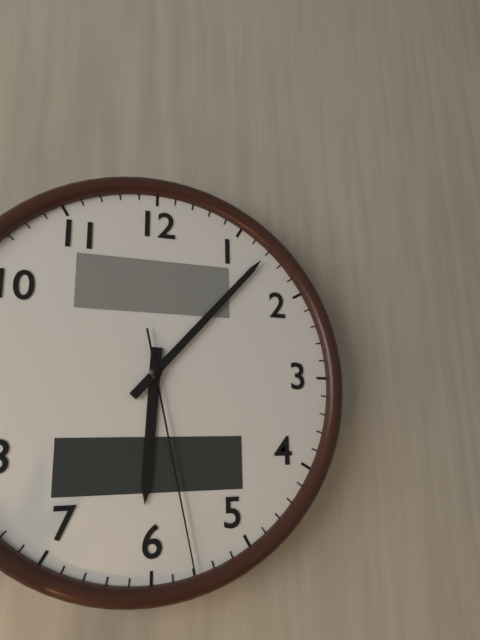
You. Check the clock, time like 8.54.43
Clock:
6.07.28
